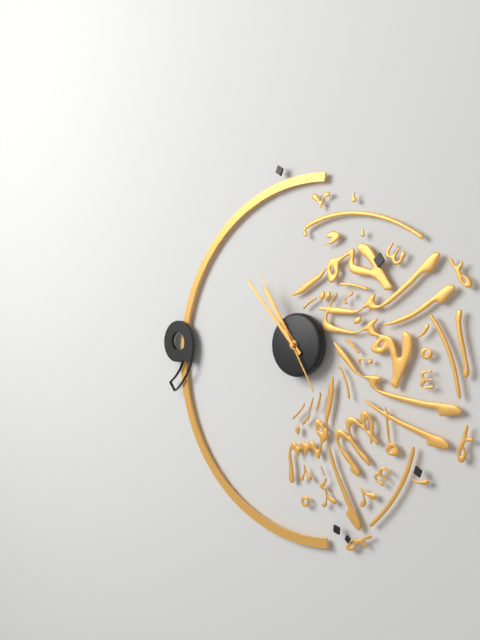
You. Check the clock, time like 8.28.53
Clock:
10.53.55
